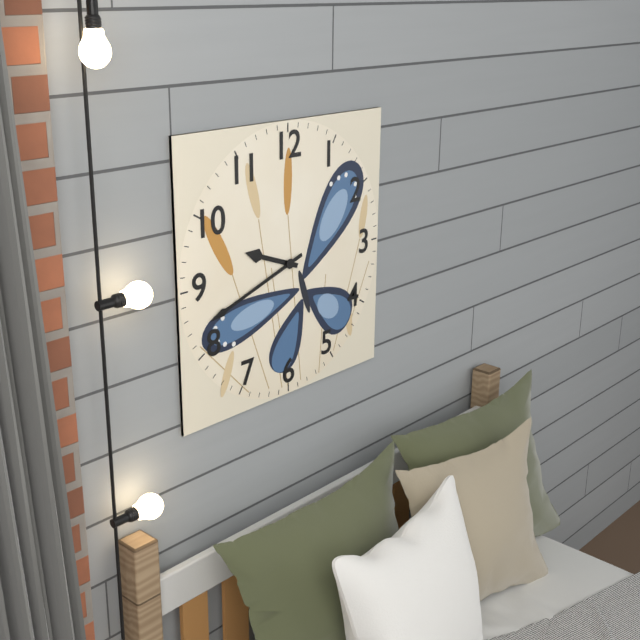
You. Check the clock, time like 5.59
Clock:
9.42
